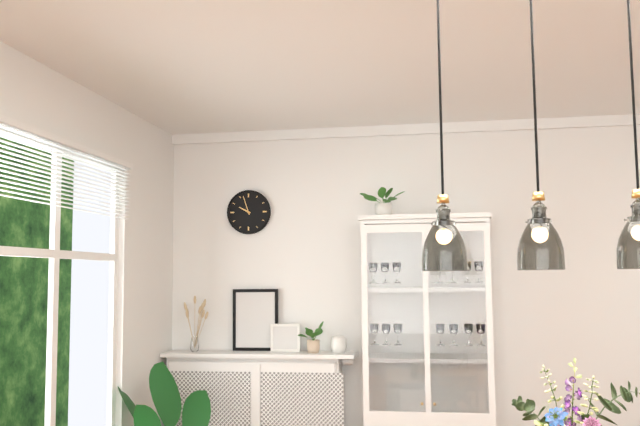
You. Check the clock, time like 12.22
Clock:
9.57
